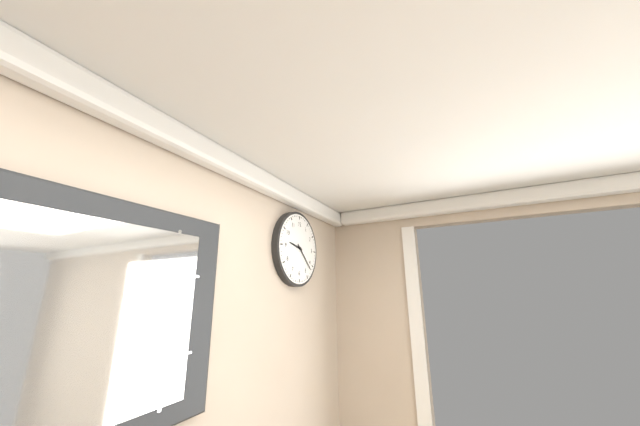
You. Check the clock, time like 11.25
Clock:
9.22
